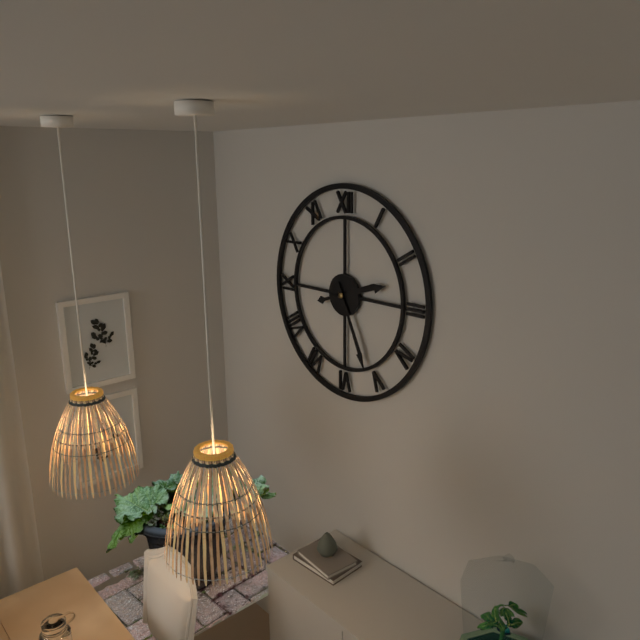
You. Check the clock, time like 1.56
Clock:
2.26
